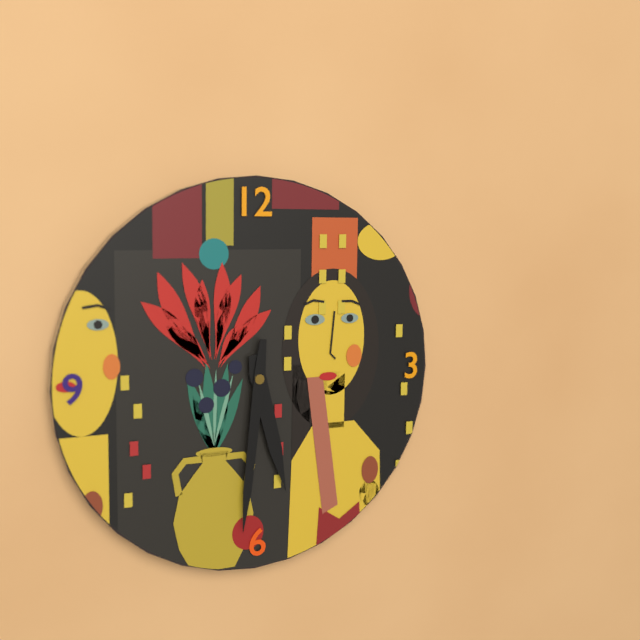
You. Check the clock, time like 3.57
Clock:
5.31
